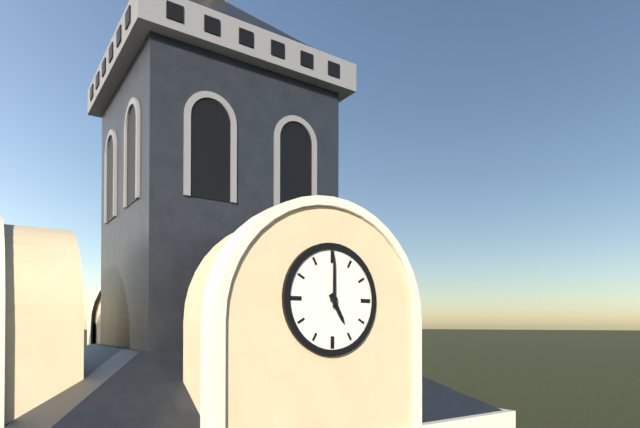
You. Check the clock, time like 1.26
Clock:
5.00
